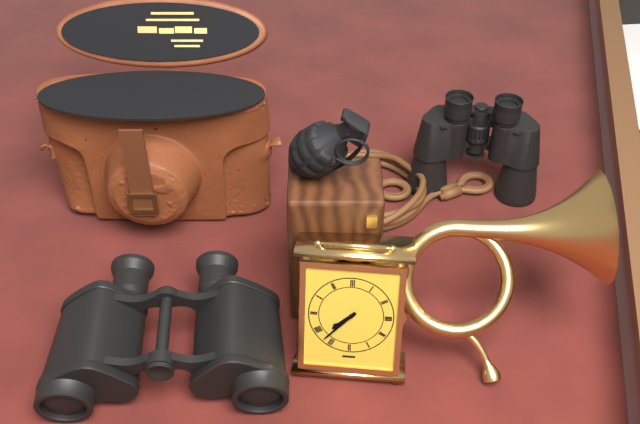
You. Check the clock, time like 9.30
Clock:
7.37
